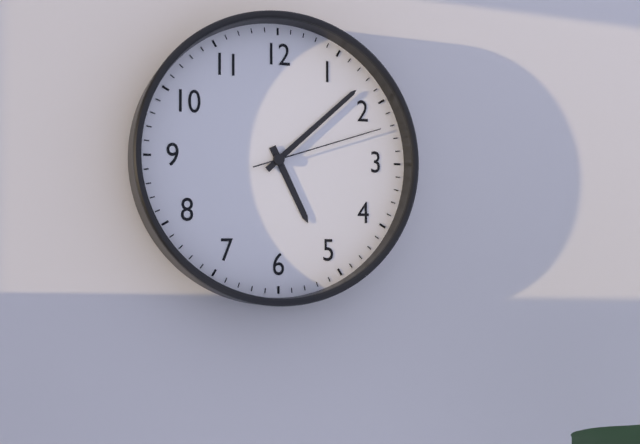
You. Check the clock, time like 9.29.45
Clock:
5.08.12
